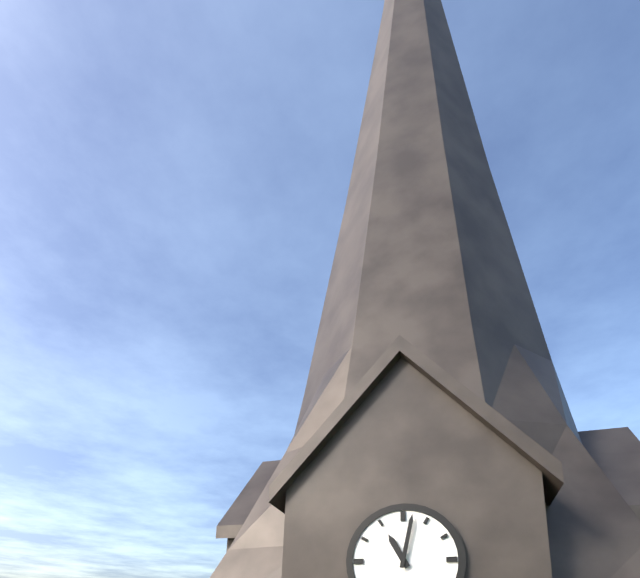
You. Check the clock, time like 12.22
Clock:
11.02
